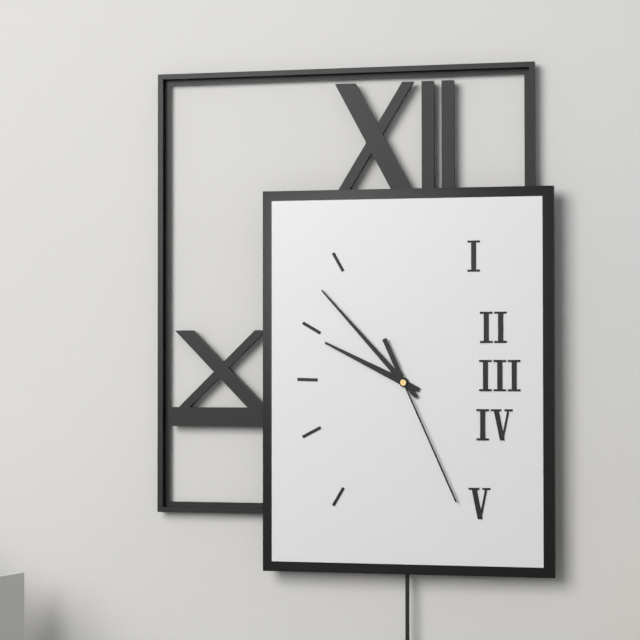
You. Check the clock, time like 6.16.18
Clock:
9.53.26
